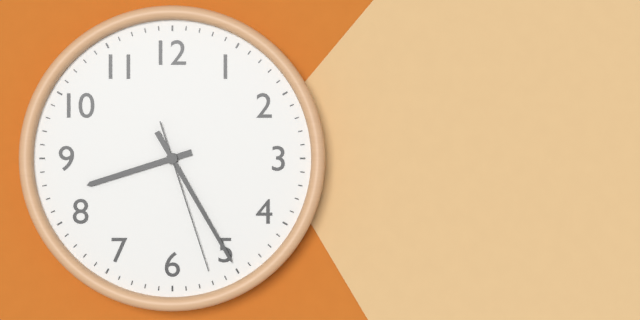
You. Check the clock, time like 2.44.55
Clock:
8.25.27
